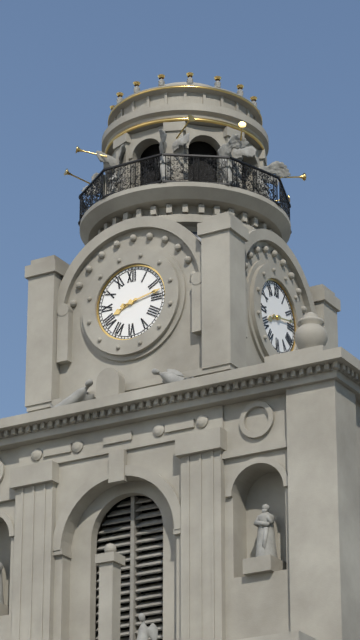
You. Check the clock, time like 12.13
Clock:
8.13
